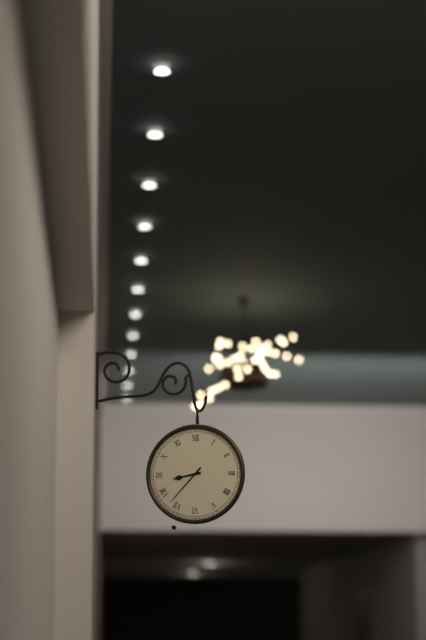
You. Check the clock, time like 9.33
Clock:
8.37
